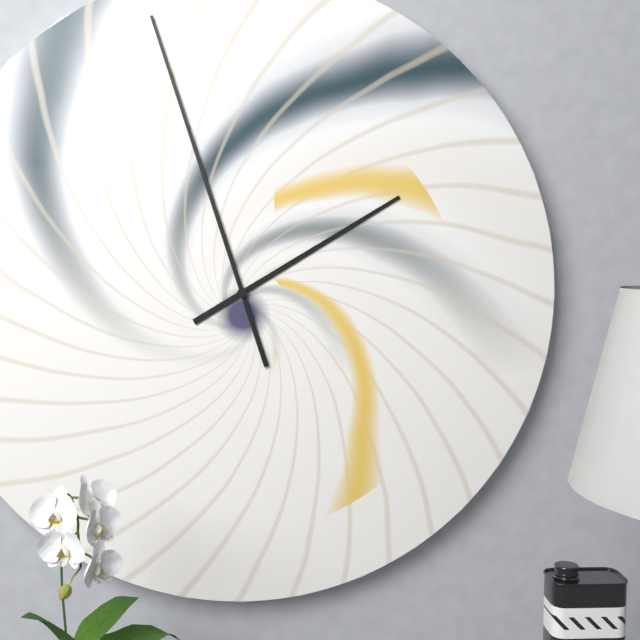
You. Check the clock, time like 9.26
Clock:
1.57
